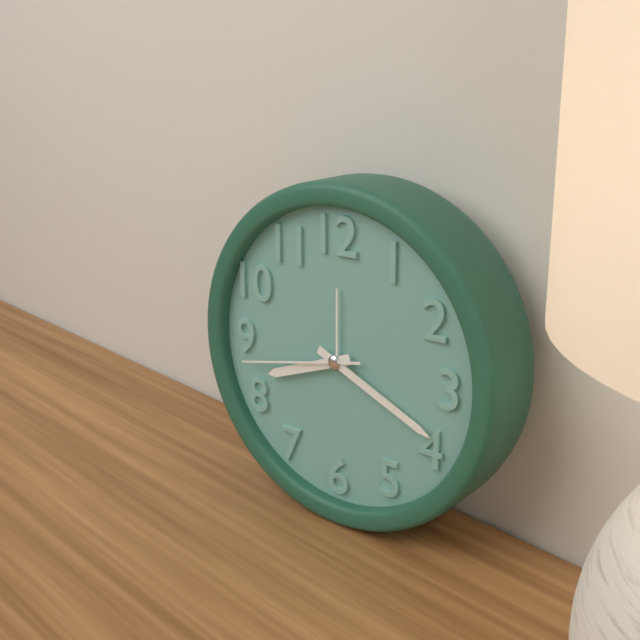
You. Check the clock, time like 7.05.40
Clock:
8.19.43
